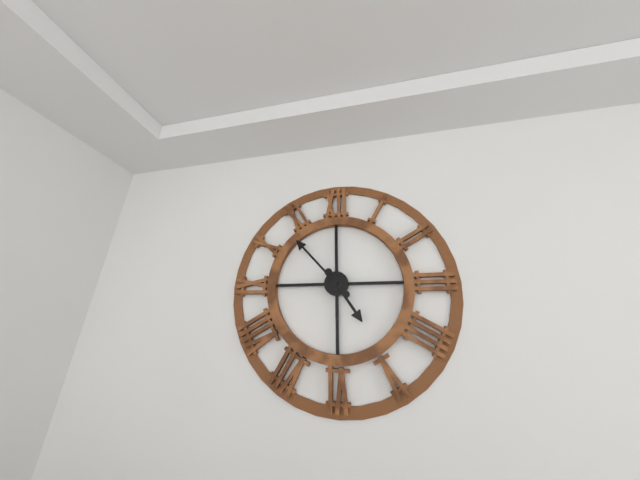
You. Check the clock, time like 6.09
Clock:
4.53
